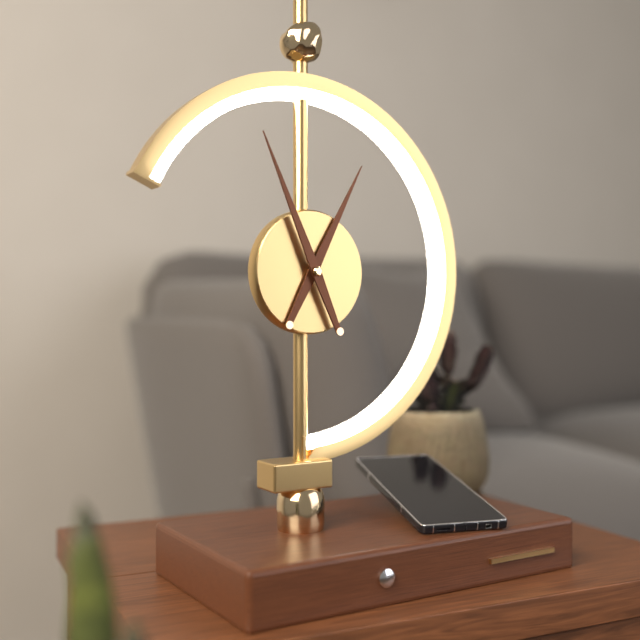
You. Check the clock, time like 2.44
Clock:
12.56
